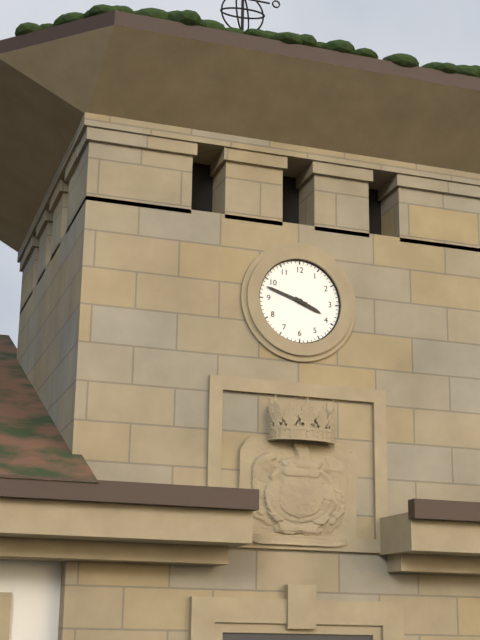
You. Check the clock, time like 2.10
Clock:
3.48
